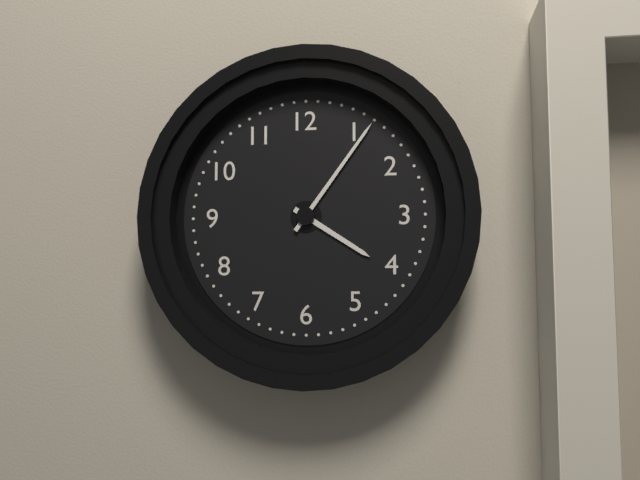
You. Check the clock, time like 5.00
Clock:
4.06
